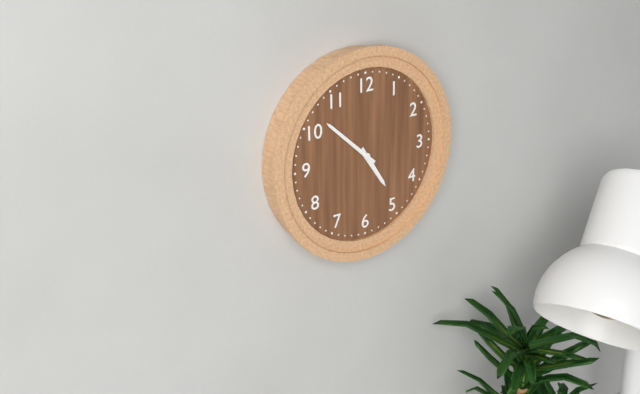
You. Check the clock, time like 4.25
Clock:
4.52
